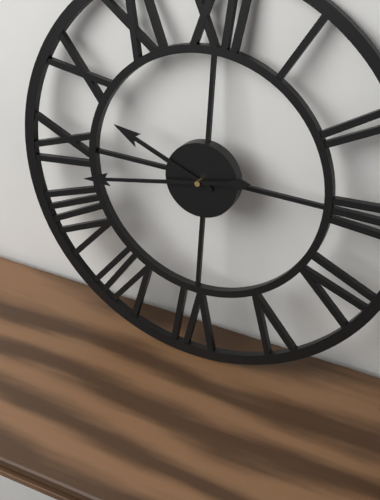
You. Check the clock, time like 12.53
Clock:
9.43
